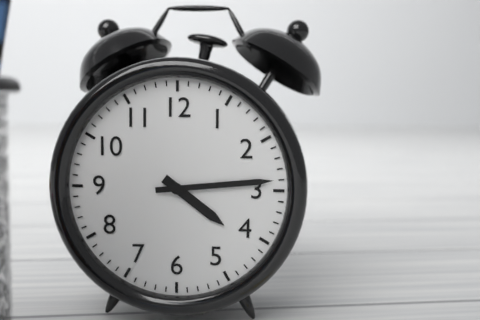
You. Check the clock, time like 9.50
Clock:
4.14
